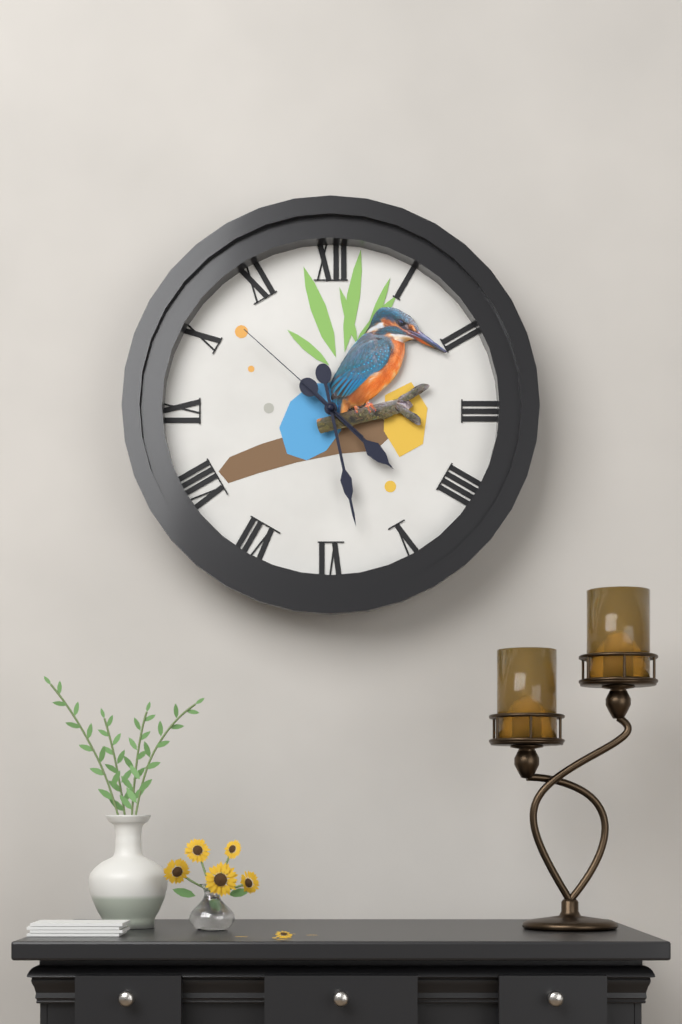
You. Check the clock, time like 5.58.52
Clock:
4.28.52
